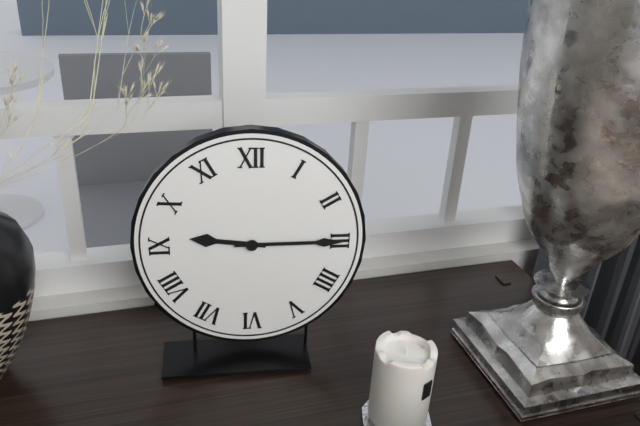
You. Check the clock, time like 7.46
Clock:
9.15
